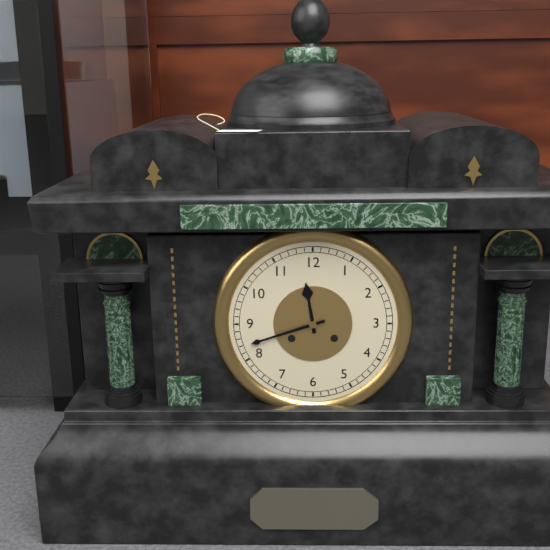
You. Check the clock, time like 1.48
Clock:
11.42
